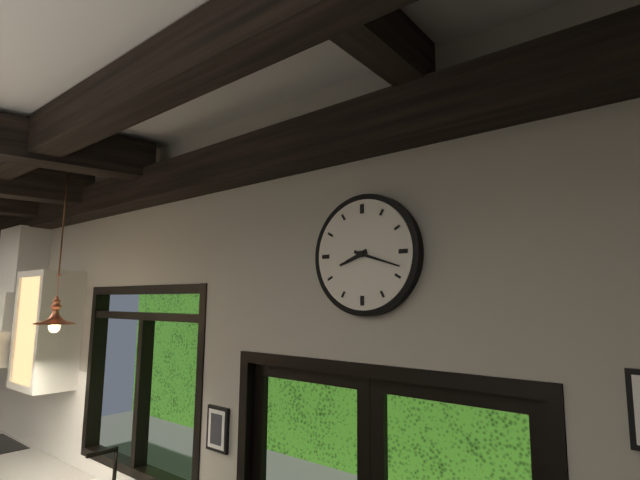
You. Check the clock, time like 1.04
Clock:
8.18
